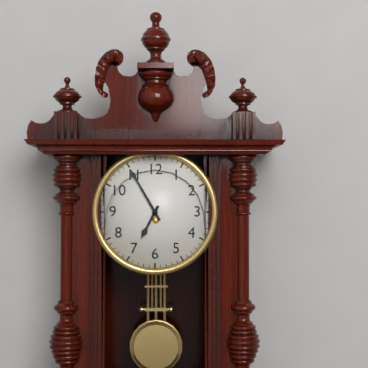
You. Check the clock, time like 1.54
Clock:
6.55
